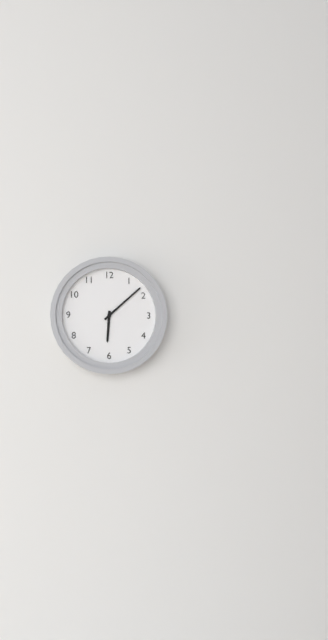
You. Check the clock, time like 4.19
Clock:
6.08
